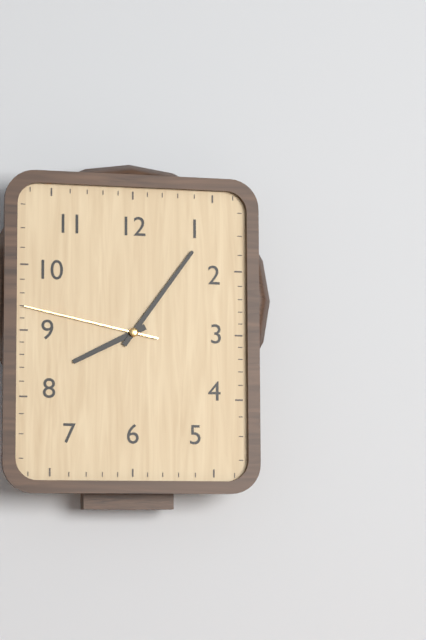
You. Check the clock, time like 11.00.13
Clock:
8.06.47
